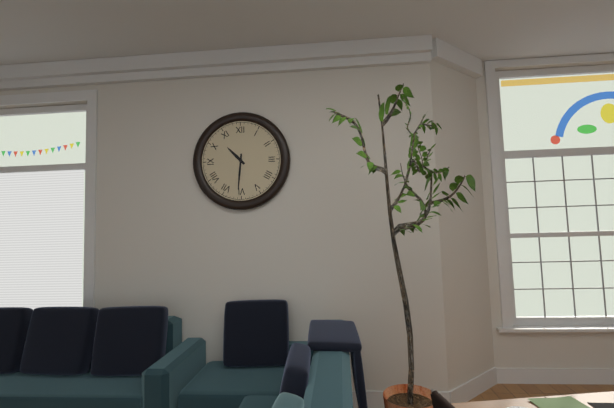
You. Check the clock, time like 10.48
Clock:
10.31
